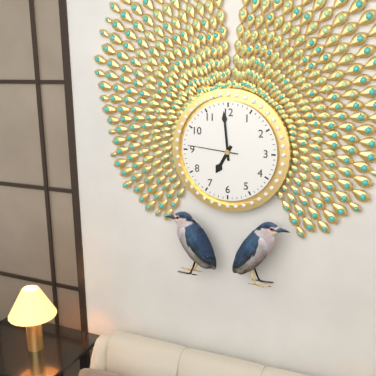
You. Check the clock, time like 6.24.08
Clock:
6.59.46
